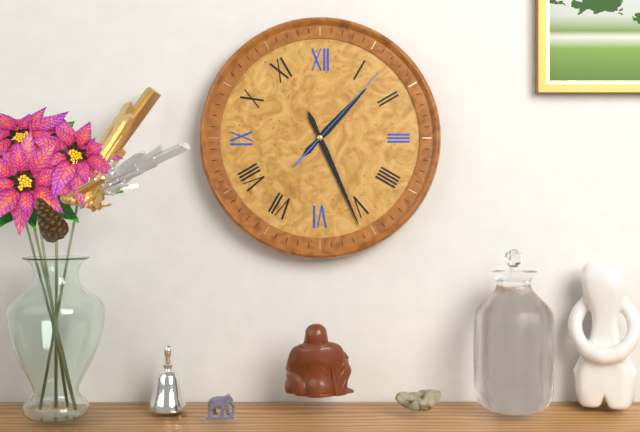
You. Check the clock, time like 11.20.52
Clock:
1.26.07
